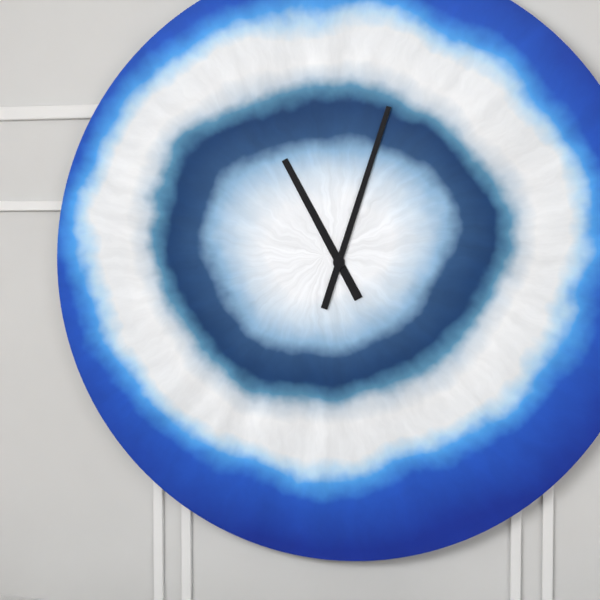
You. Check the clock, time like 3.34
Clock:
11.03
